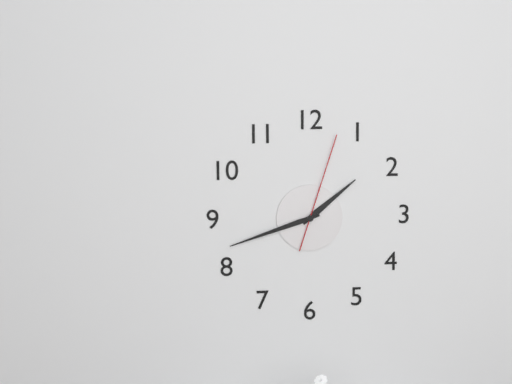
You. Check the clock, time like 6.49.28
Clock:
1.42.03
